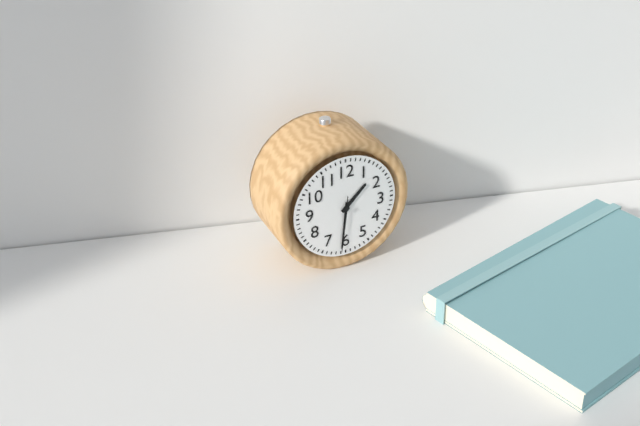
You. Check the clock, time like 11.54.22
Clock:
1.31.31
